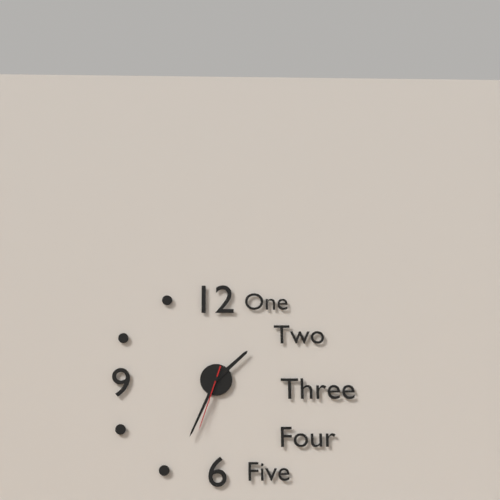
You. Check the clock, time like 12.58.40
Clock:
1.34.33
